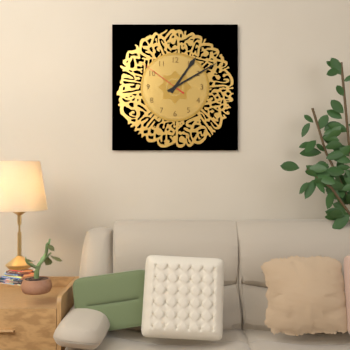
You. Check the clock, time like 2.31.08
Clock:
1.10.51
